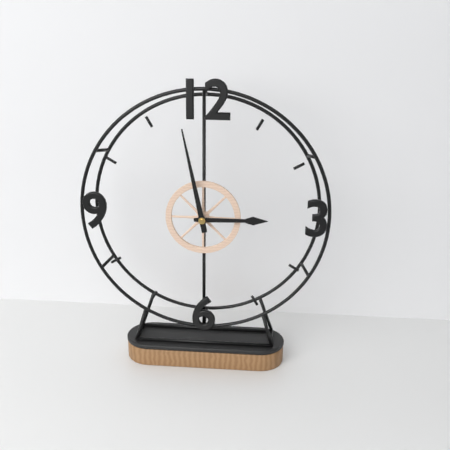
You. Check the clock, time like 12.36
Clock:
2.58
